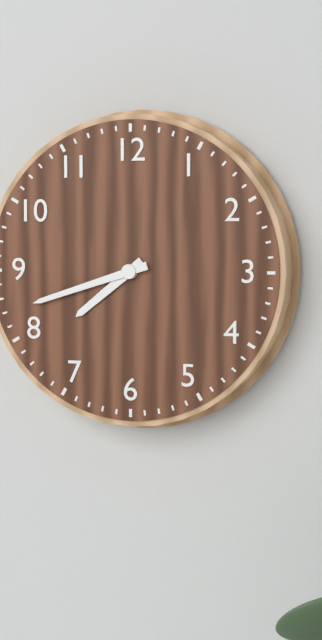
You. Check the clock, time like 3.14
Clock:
7.42
